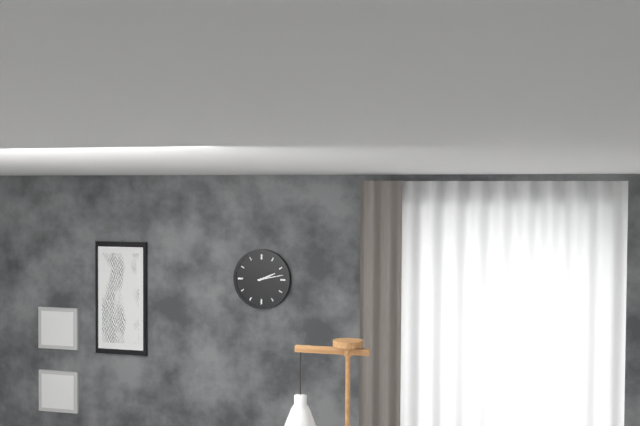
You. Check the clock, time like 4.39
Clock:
2.13
